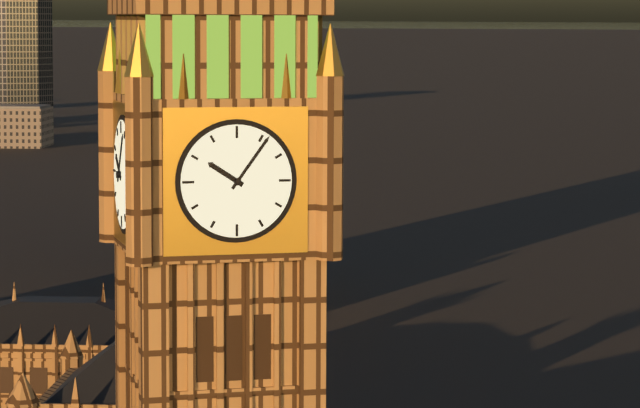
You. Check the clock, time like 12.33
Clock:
10.06
